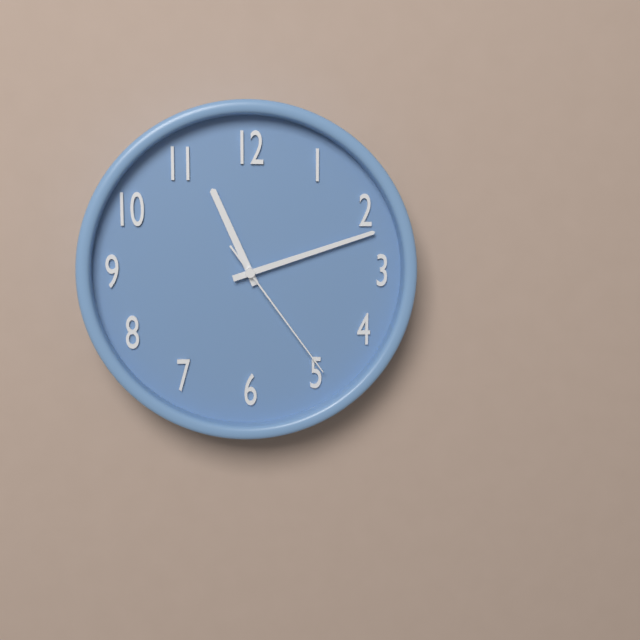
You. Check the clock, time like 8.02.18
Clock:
11.12.24
